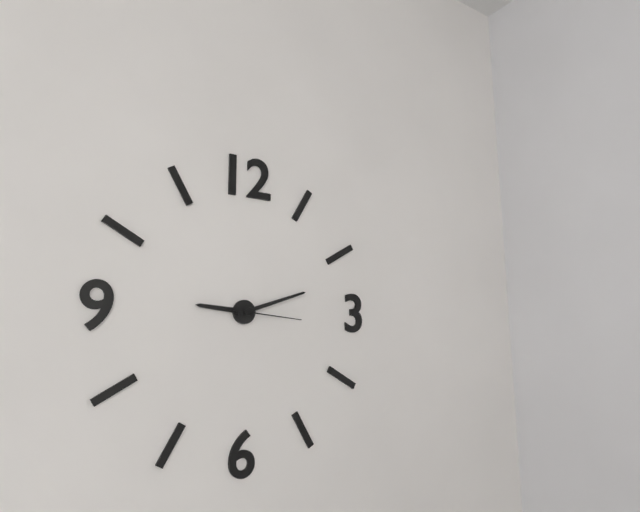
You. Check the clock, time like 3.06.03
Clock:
9.12.16
